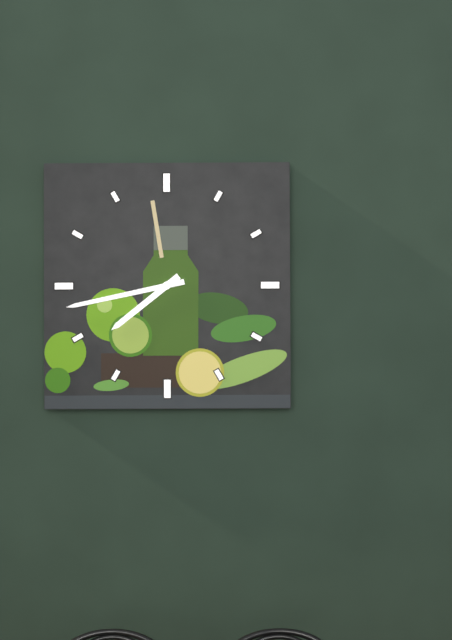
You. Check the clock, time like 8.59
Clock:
7.43
